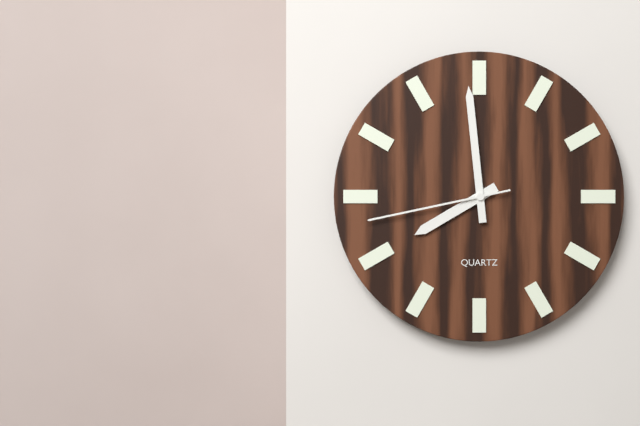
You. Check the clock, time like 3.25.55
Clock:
7.59.43
